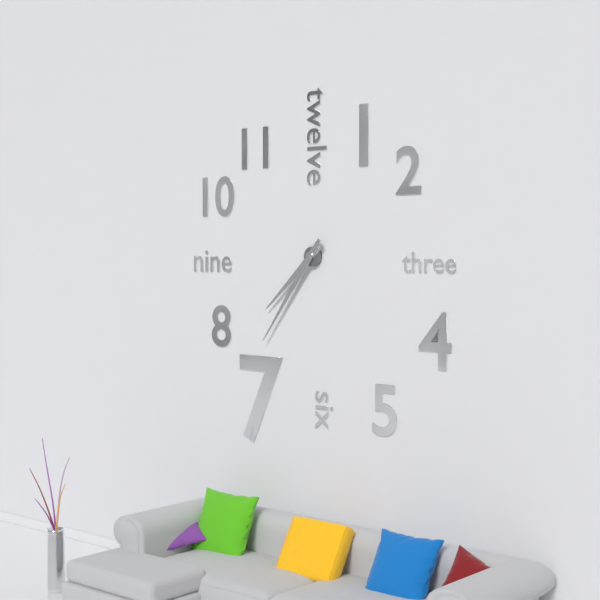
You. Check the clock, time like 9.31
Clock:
7.36
